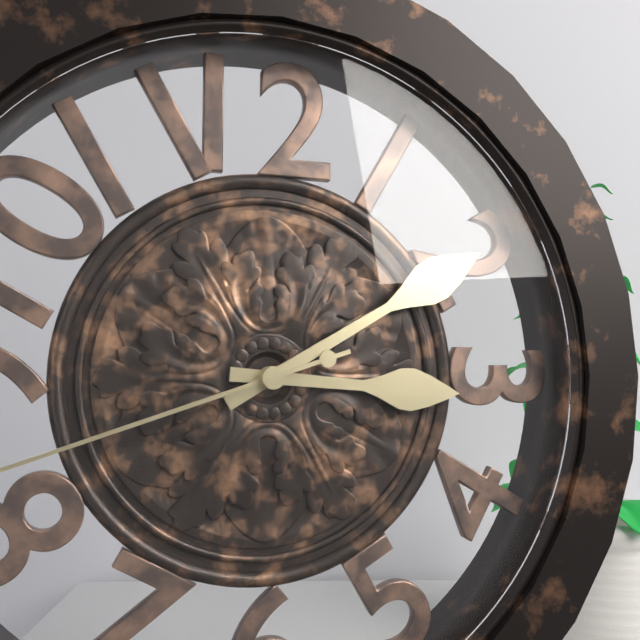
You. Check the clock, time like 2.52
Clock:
3.10
